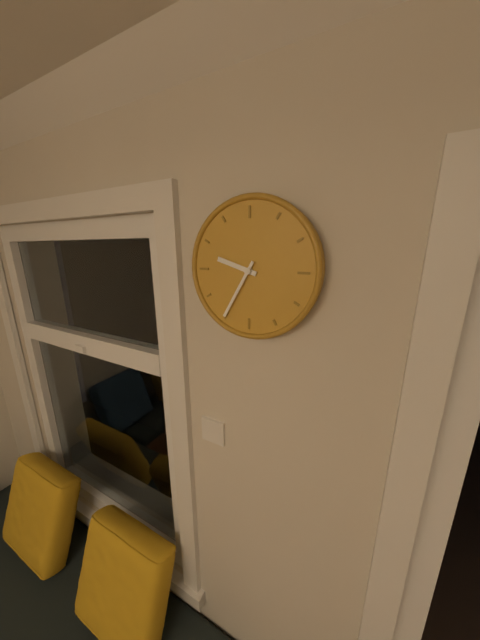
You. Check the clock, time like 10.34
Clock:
9.35
